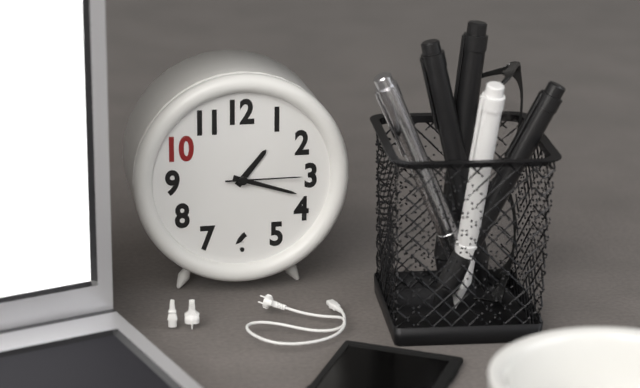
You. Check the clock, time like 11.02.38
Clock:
1.18.15
